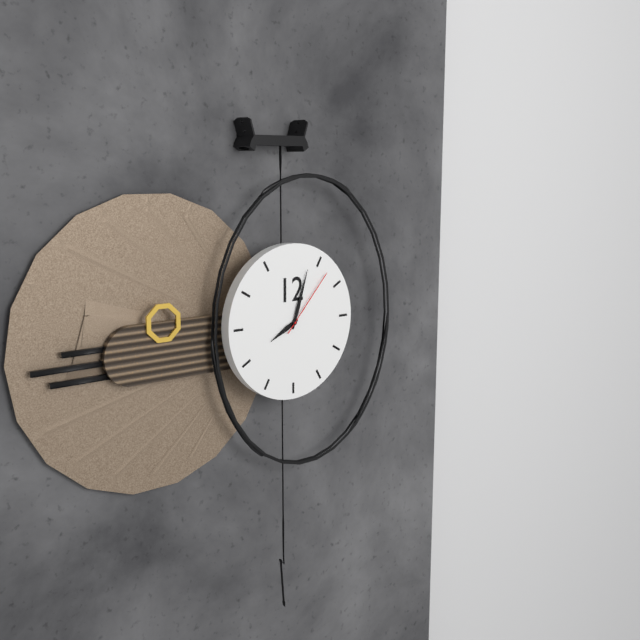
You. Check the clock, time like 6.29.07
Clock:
8.03.07
